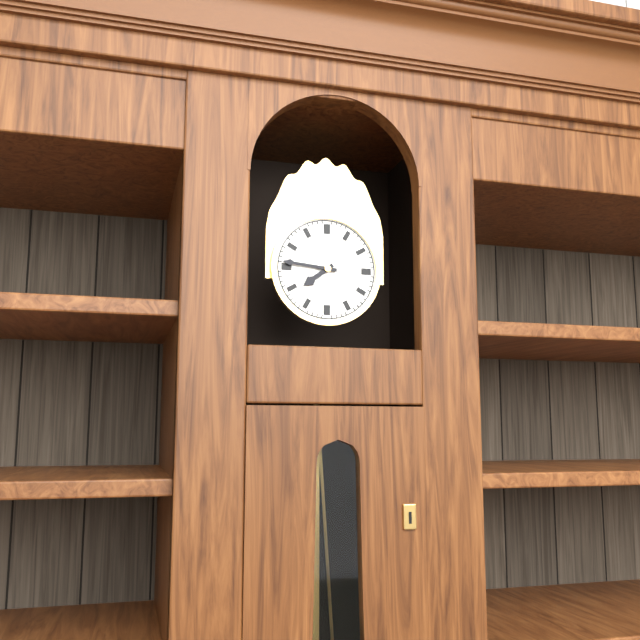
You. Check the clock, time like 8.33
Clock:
7.46
